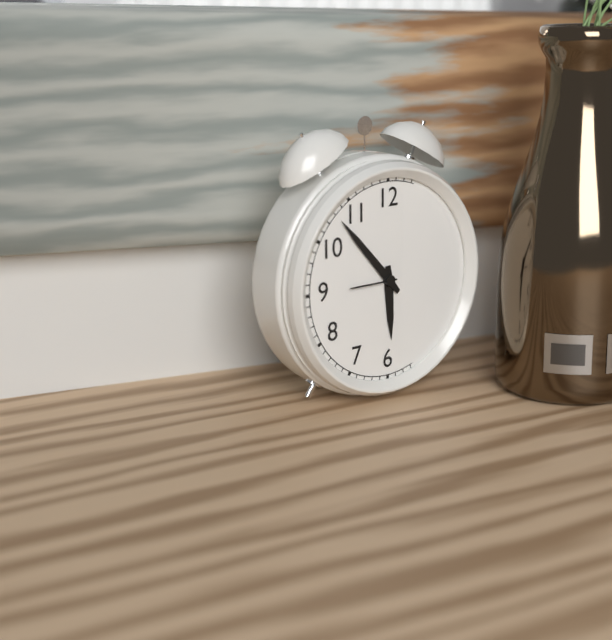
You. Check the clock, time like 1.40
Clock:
5.53
